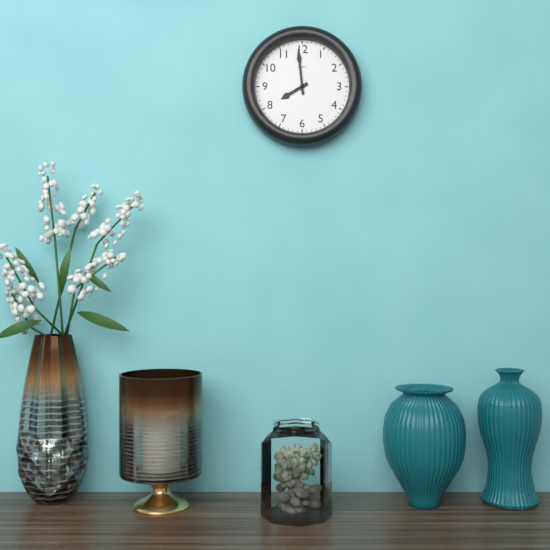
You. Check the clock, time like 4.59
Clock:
7.59
